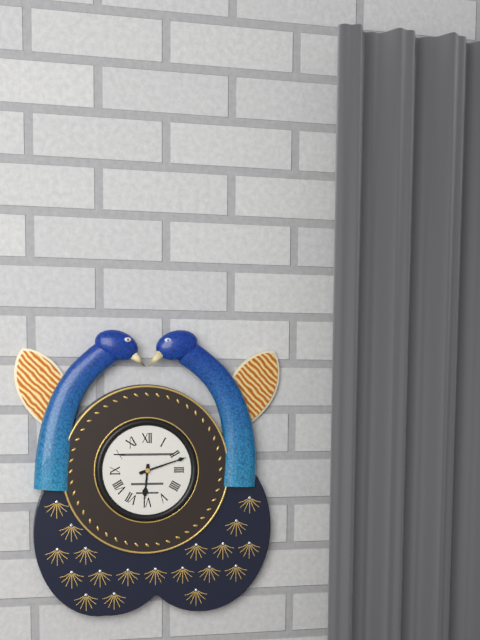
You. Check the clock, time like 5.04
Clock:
6.12
